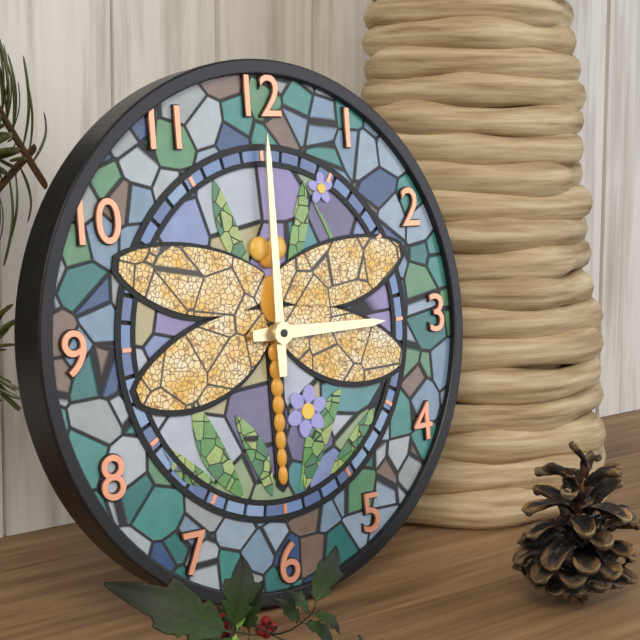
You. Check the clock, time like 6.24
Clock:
3.00
